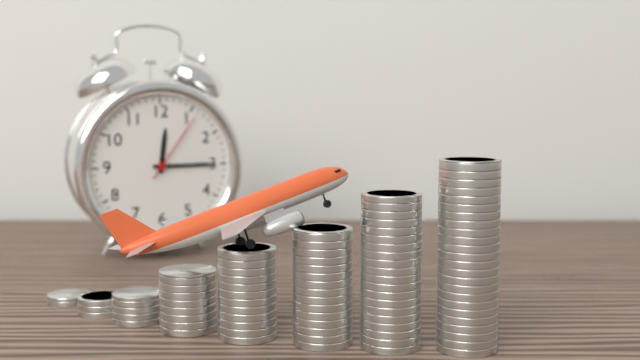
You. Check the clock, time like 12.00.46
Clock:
12.15.06
